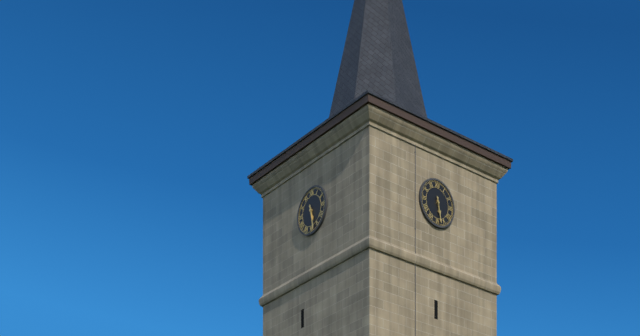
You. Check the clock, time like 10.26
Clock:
5.28
